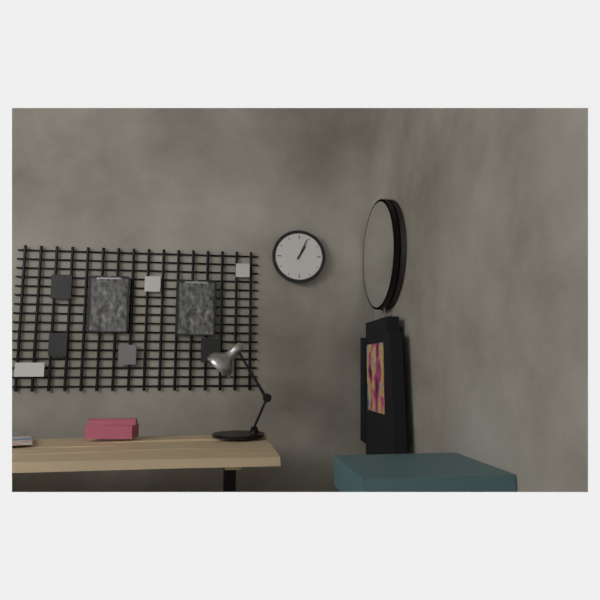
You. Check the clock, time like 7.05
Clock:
1.04
